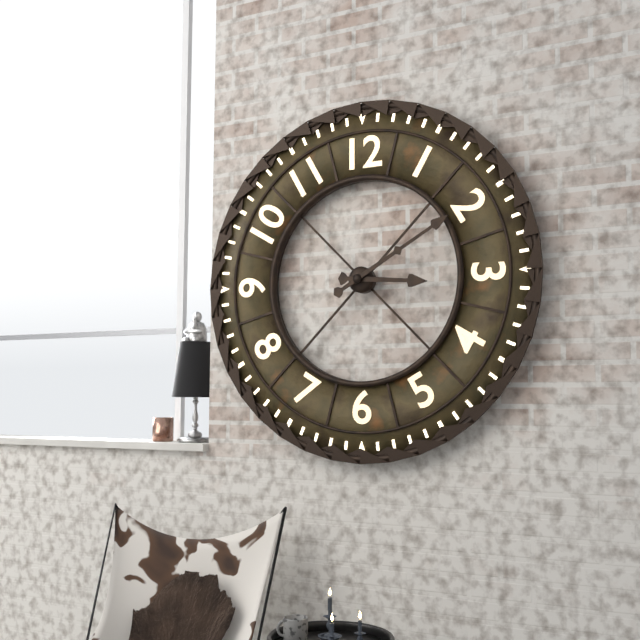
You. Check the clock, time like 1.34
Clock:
3.10
